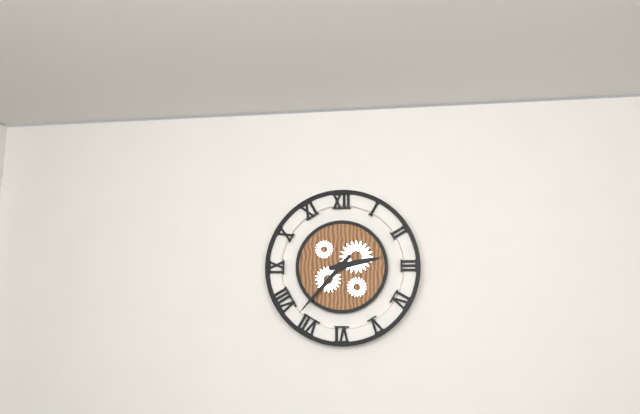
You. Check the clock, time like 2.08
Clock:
2.37
